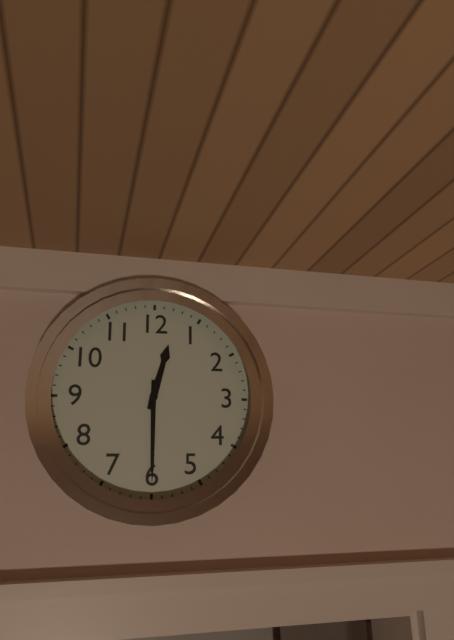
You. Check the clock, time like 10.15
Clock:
12.30
